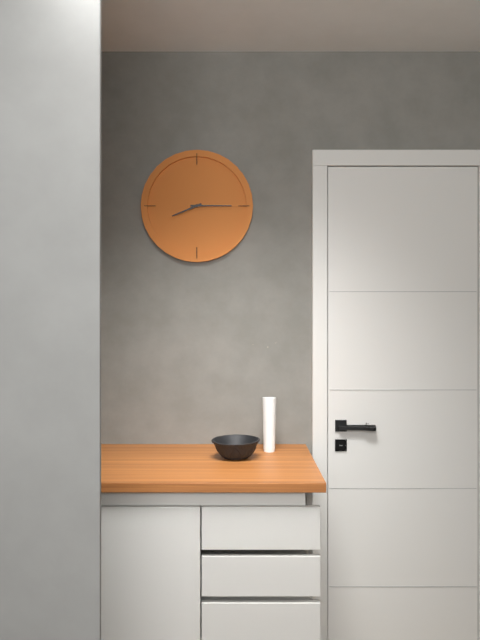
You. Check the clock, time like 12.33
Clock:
8.15
